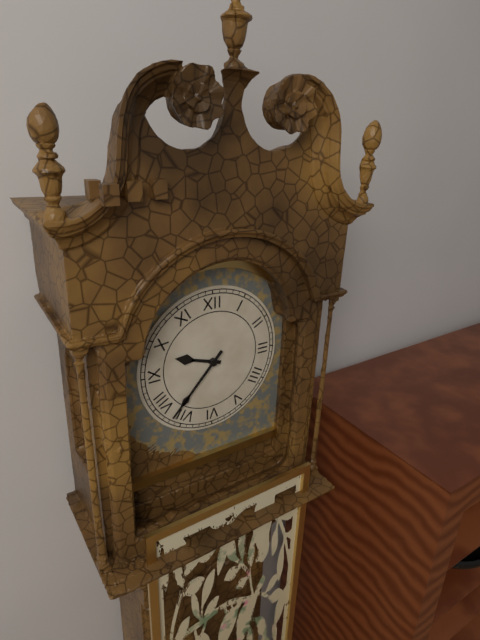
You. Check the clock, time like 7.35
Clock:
9.37
